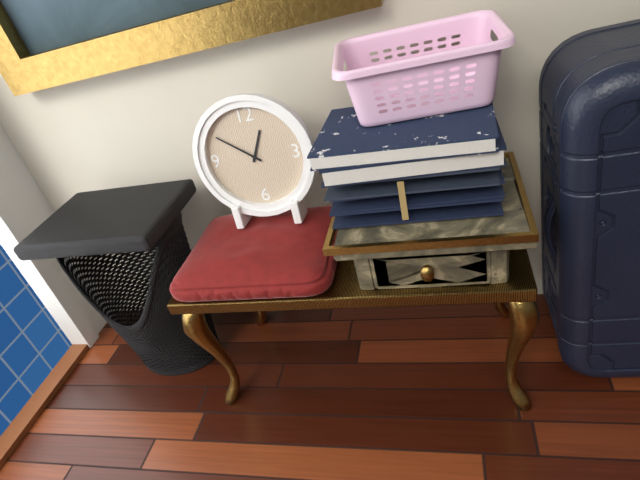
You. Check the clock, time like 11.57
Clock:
12.51
